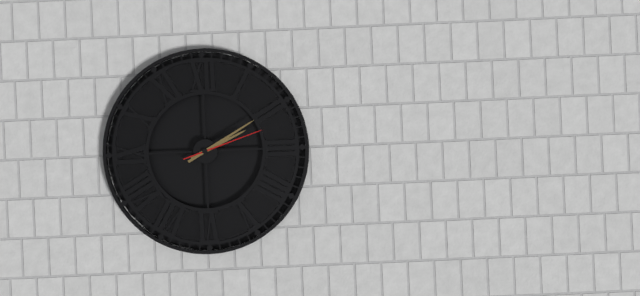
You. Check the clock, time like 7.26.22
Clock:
2.10.12
